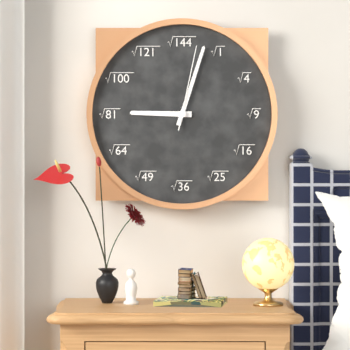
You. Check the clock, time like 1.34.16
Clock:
9.03.02
